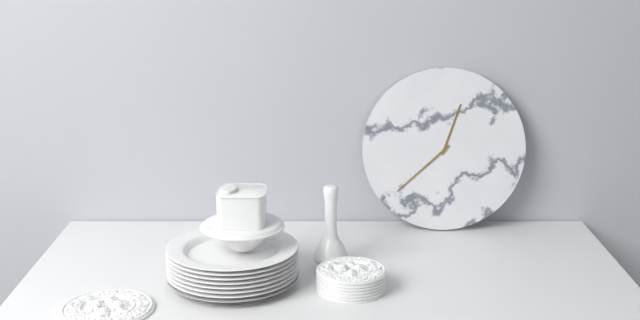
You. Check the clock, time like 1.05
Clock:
12.38
